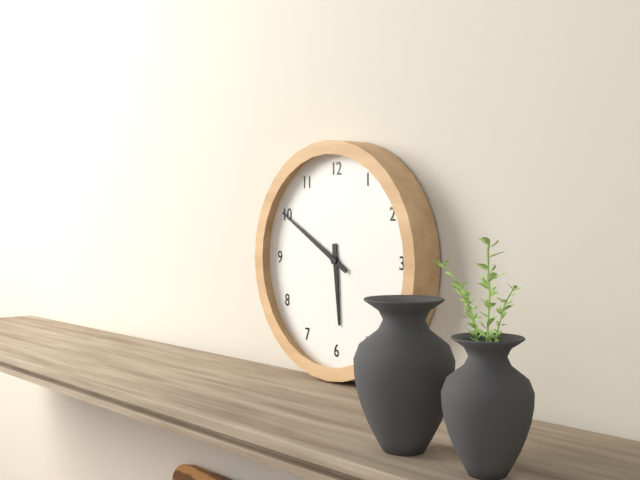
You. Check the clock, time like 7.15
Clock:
5.50
